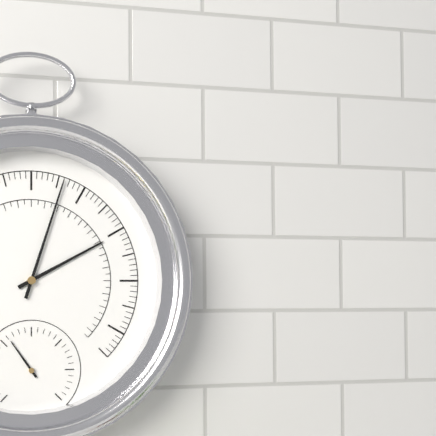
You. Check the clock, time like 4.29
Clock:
2.03
